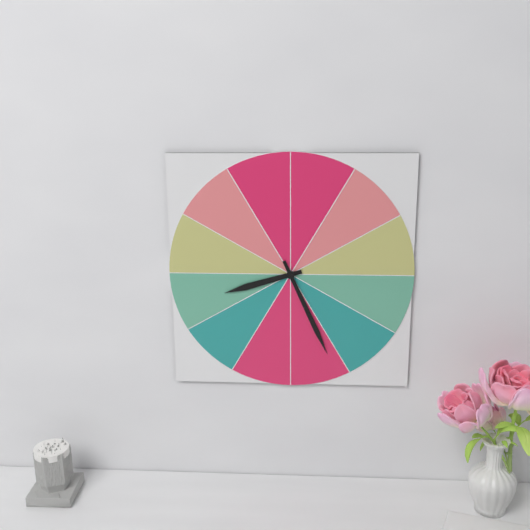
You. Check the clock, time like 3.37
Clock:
8.26
